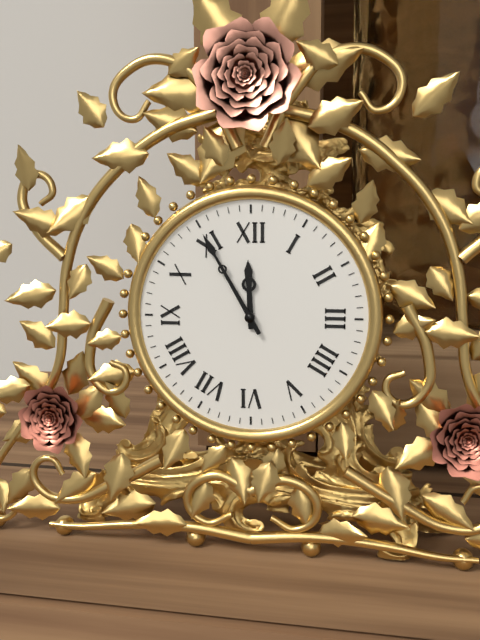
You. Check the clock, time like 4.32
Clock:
11.55
